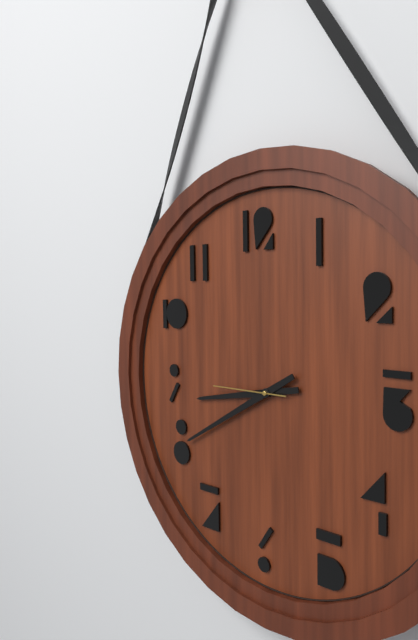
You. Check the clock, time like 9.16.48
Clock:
8.40.45
